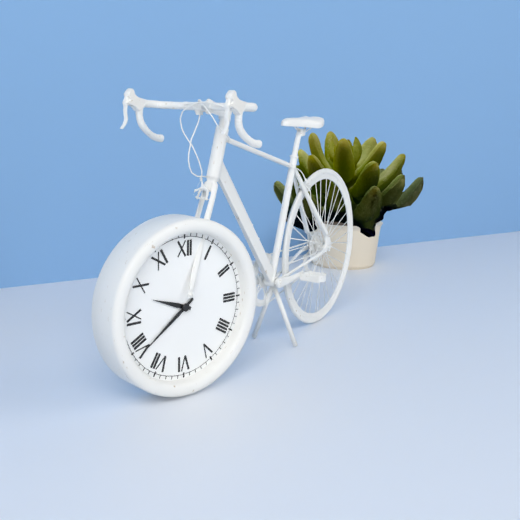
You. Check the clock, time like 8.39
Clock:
9.39
